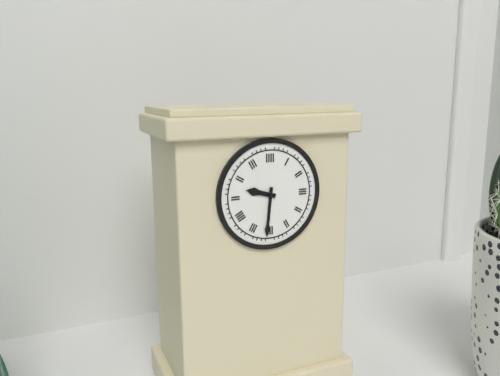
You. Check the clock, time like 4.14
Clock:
9.31
